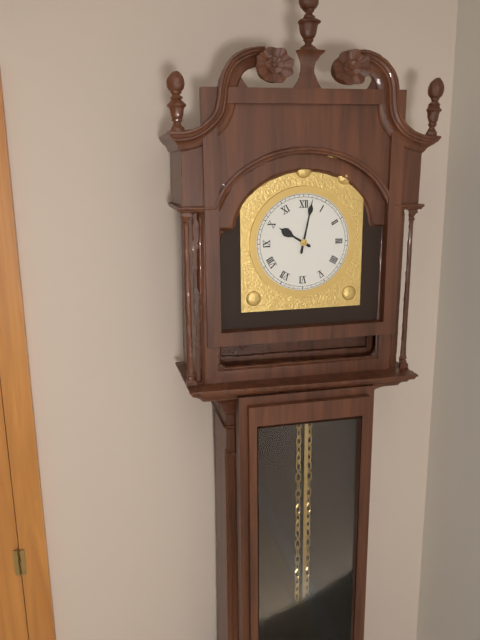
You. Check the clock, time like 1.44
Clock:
10.02
